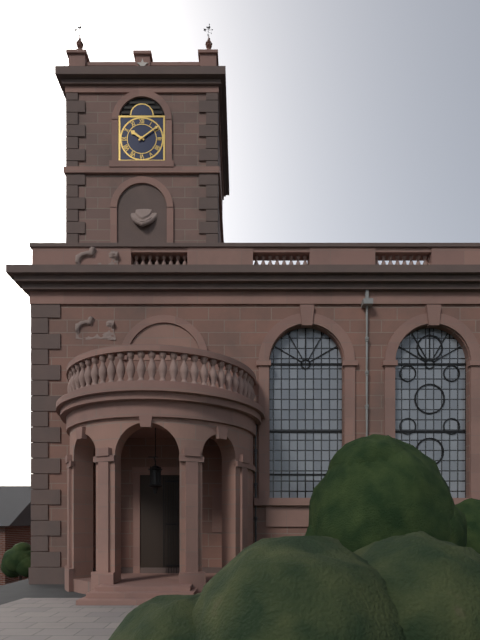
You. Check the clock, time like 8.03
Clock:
10.09
